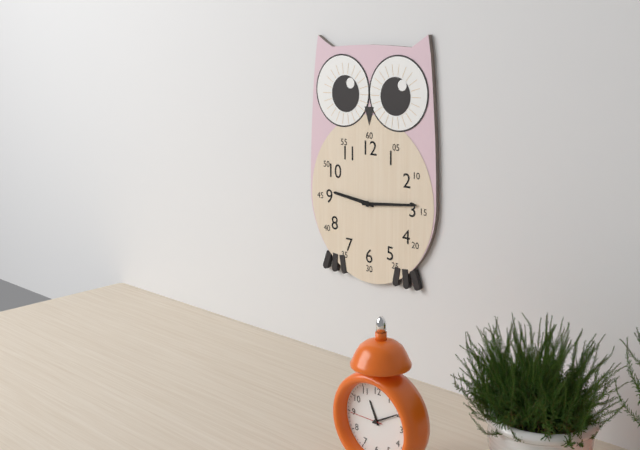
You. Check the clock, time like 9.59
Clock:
9.14
